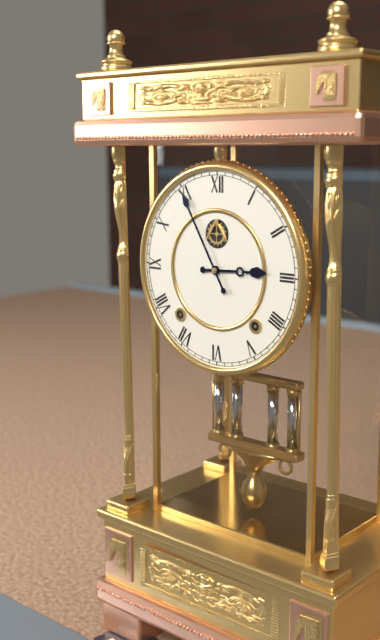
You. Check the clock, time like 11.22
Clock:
2.55
